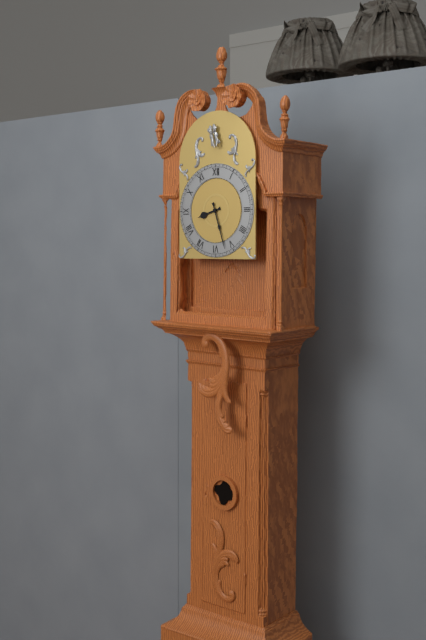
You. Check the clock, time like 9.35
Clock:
8.27
